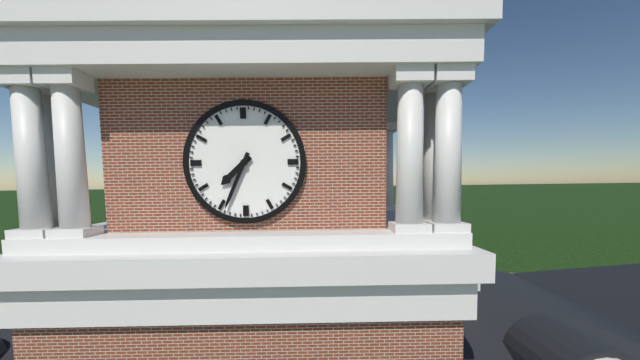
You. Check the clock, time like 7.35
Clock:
7.34
